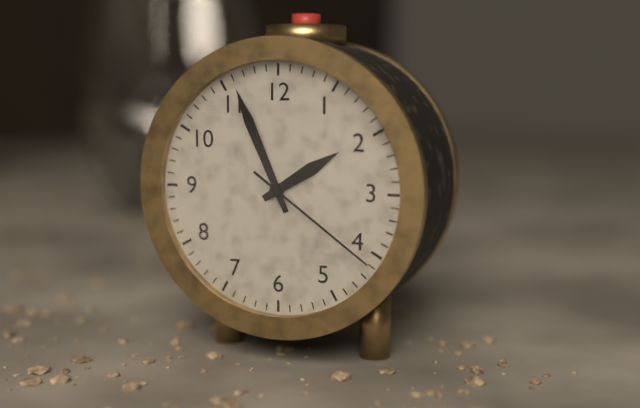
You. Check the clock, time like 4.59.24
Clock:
1.56.21
